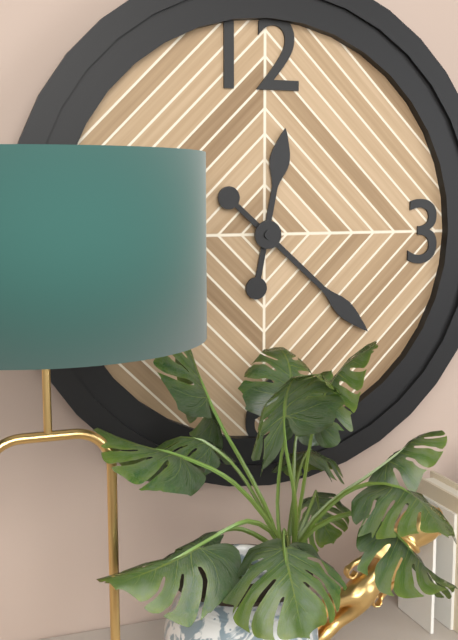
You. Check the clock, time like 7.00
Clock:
12.22
